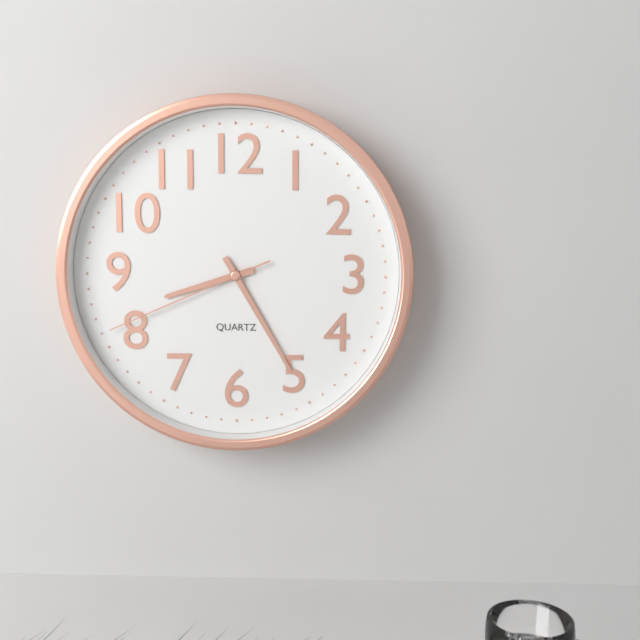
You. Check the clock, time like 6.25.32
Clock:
8.25.41
